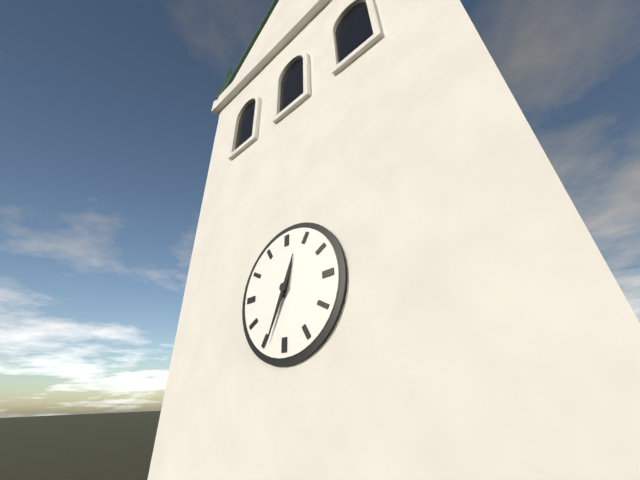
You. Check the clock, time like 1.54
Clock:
12.34
